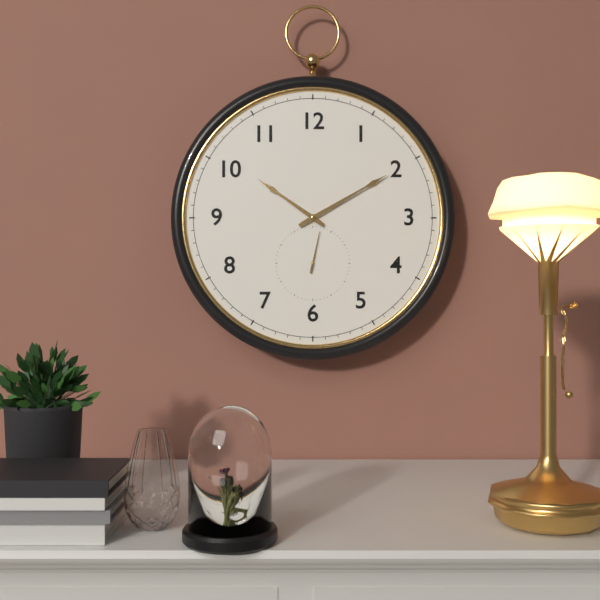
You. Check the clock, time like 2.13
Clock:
10.10
